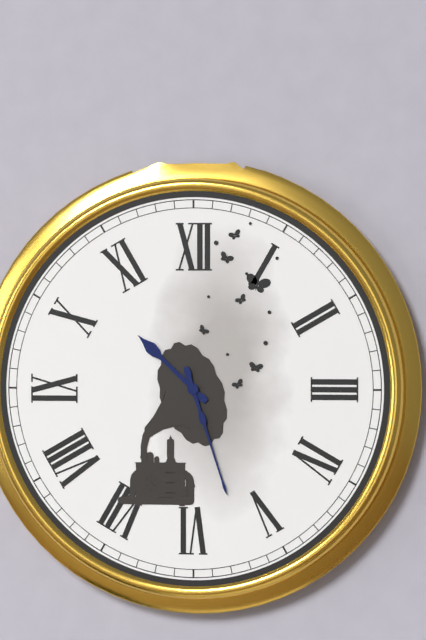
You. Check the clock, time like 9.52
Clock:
10.27
